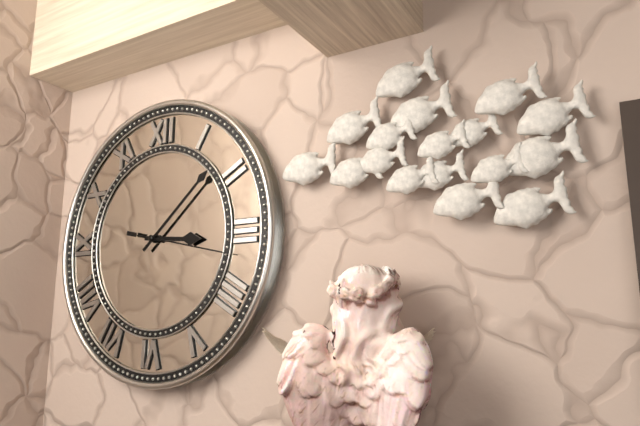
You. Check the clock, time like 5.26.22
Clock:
3.08.17
